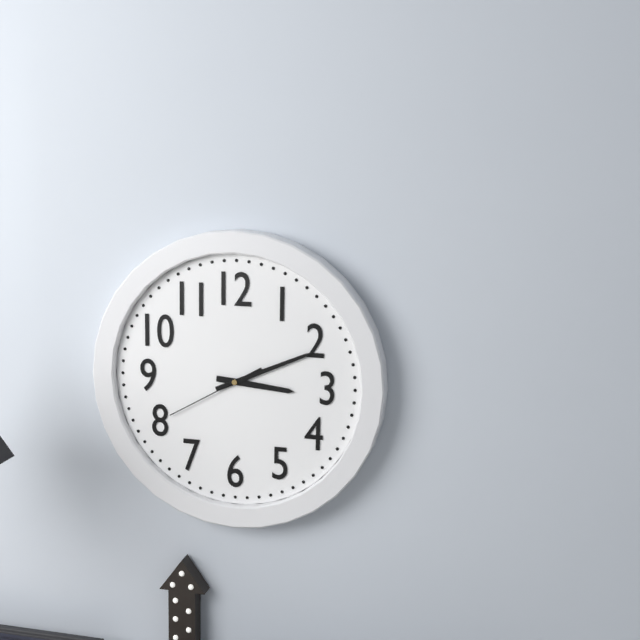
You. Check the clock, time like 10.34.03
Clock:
3.11.40
